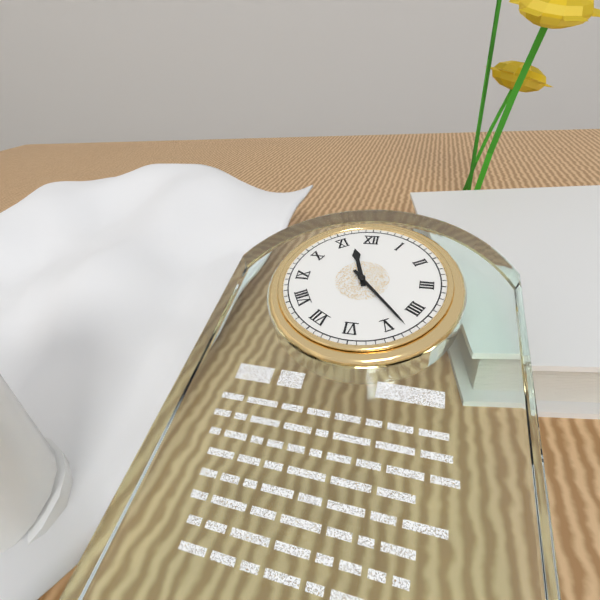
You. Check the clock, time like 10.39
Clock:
11.23
